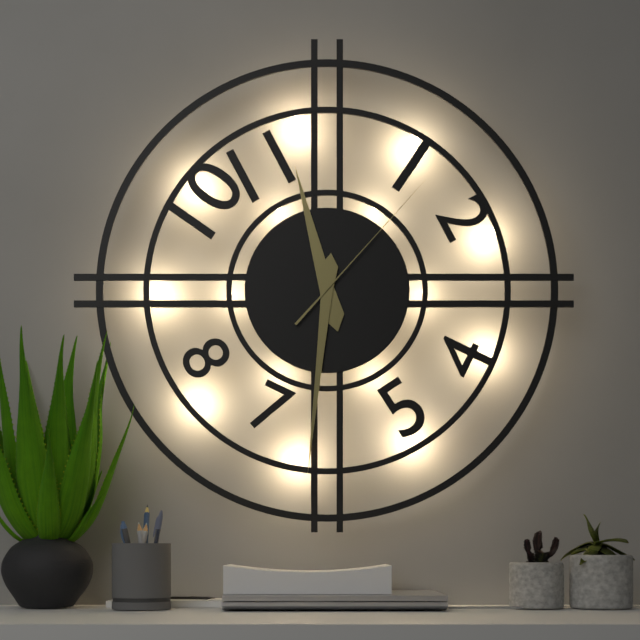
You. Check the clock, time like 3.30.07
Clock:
11.31.07
